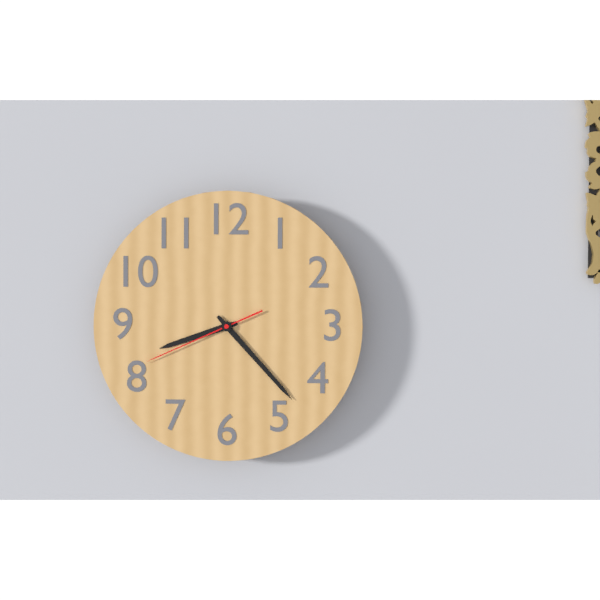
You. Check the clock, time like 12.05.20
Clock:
8.23.41
